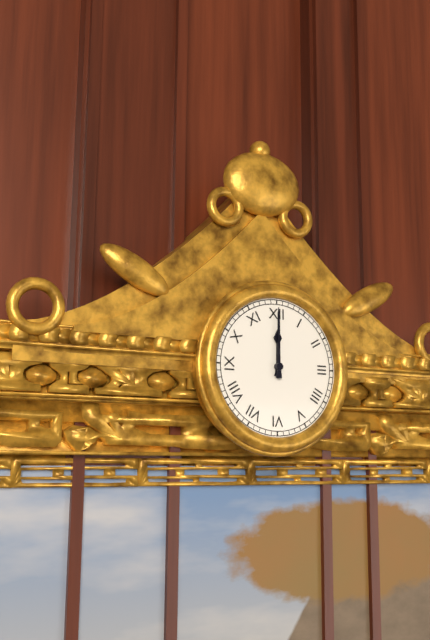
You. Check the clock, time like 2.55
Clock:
12.00
